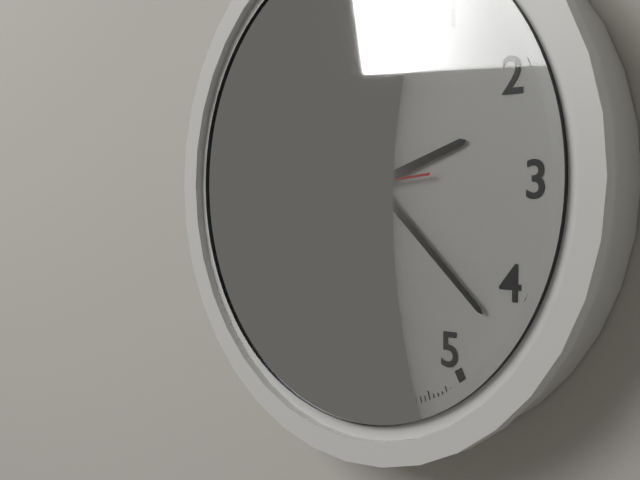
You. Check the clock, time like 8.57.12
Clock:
2.22.44
